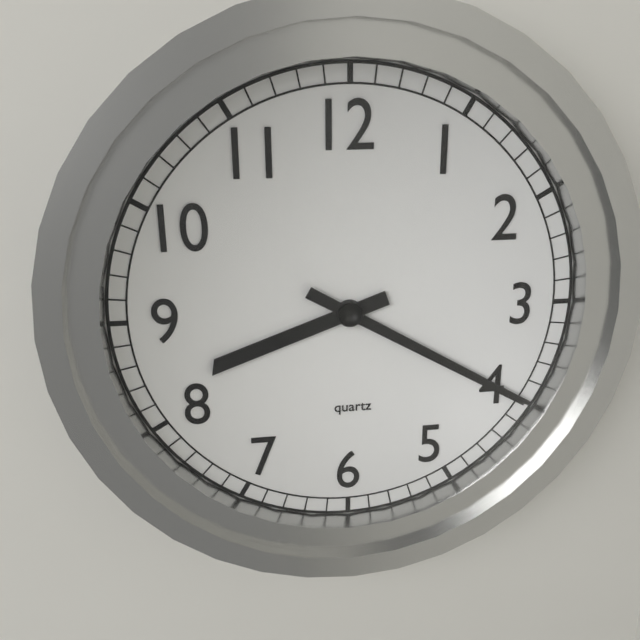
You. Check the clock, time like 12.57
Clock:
8.20
